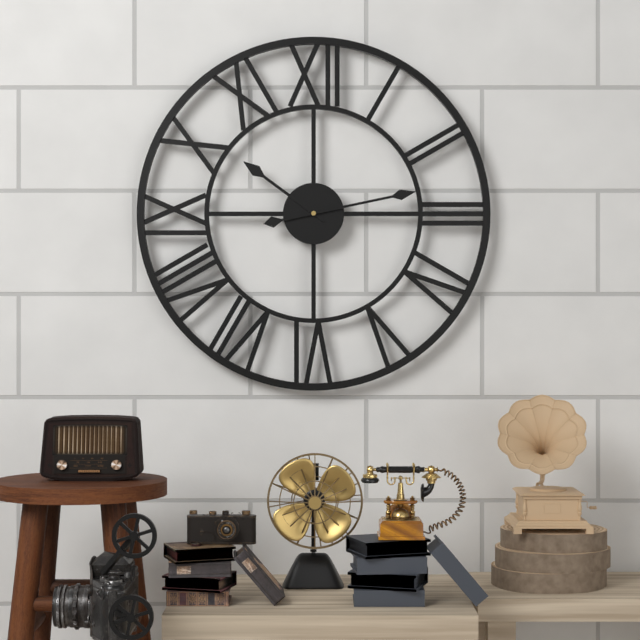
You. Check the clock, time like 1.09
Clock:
10.13
